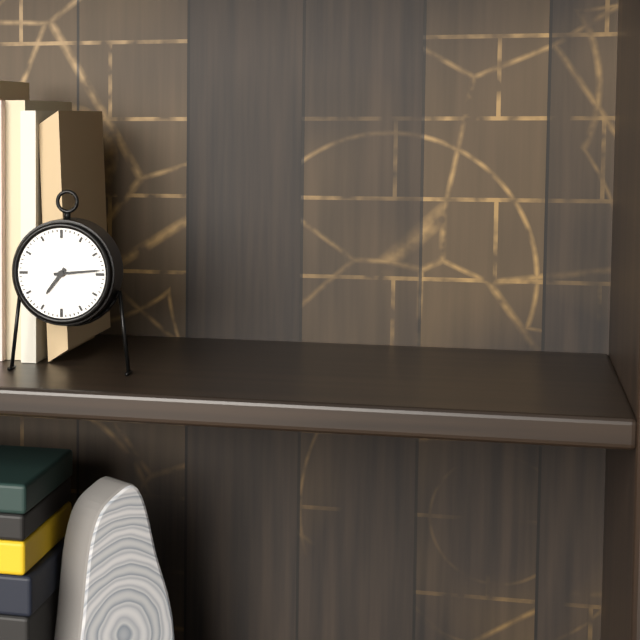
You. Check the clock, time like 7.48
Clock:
7.14
